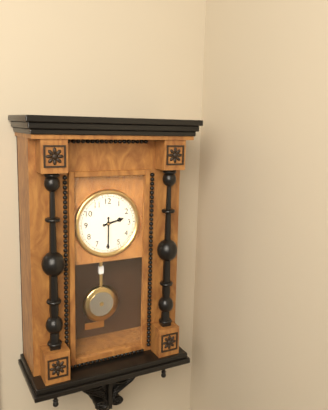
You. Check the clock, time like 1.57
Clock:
2.30
